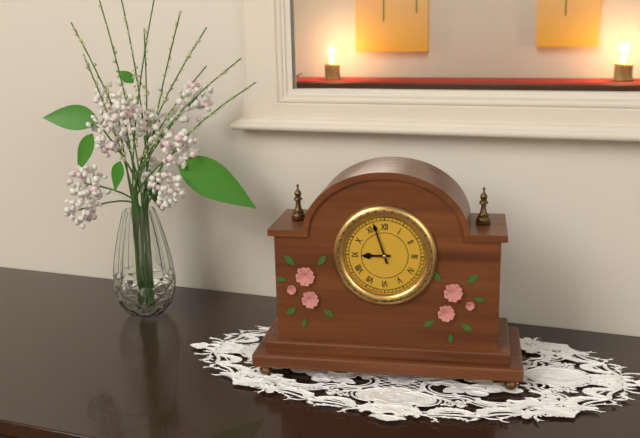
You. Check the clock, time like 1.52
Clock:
8.57
